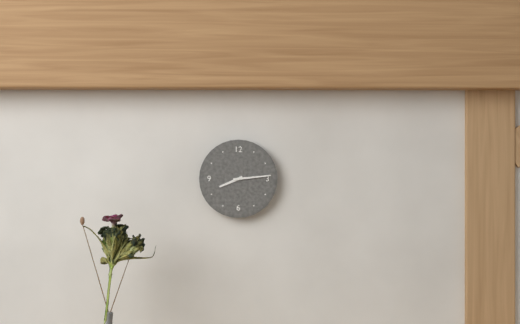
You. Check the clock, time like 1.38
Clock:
8.14
